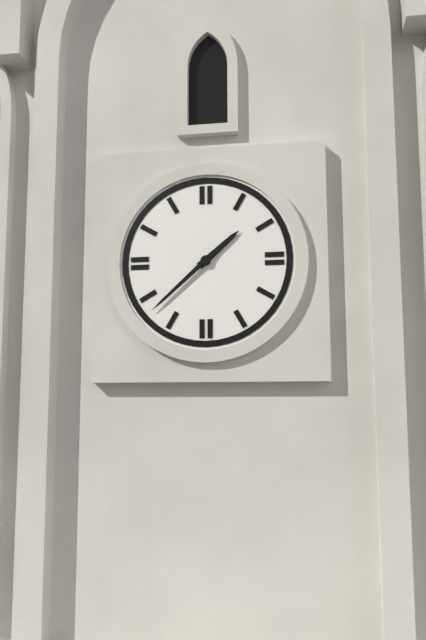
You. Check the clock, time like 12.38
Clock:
1.38
